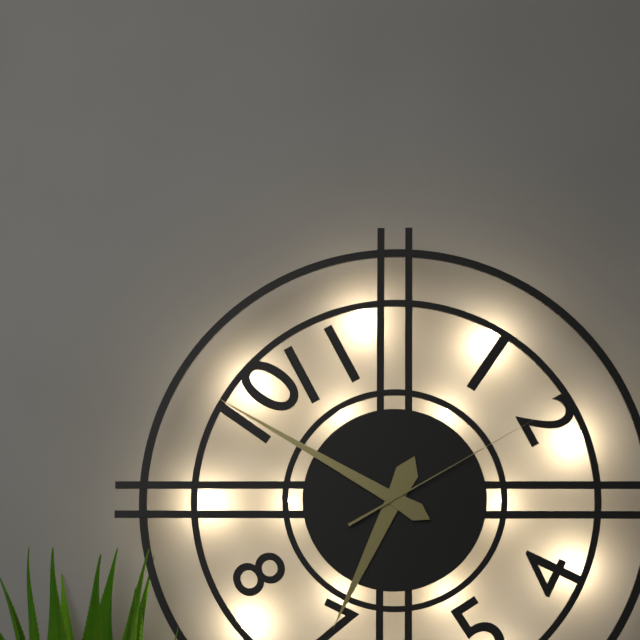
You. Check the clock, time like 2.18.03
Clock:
6.50.10
